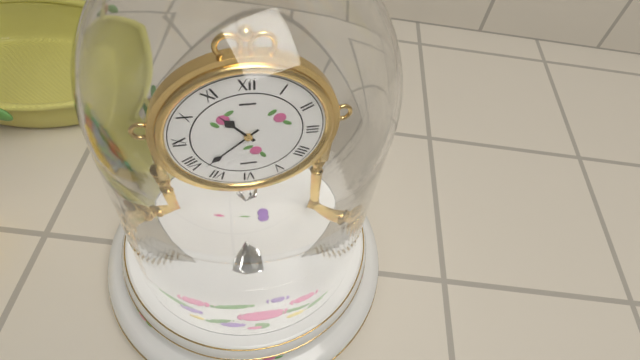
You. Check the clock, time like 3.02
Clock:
10.38
